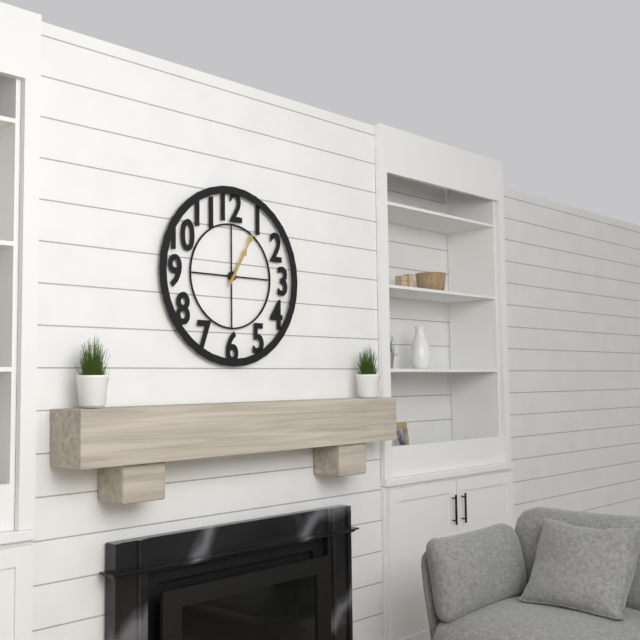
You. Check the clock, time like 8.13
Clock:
1.05
